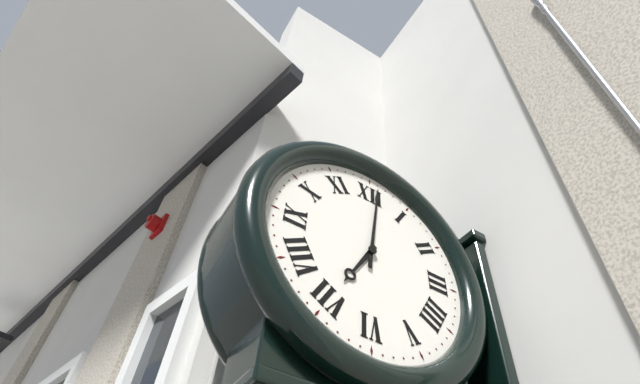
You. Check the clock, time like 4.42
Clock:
7.01
